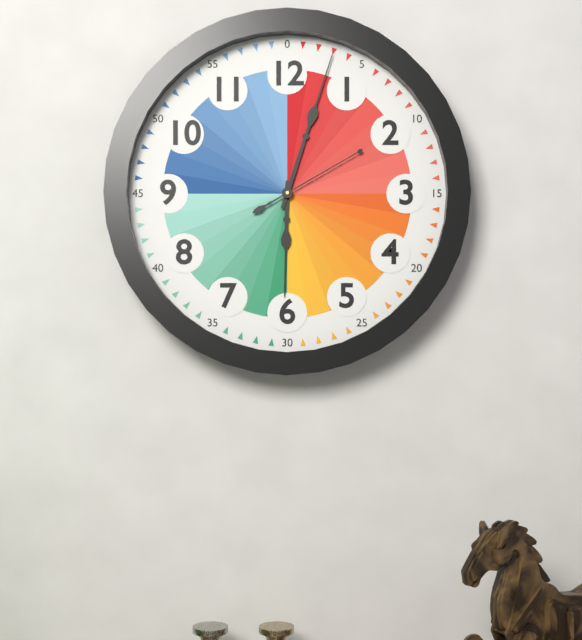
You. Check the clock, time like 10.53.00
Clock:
6.03.10
